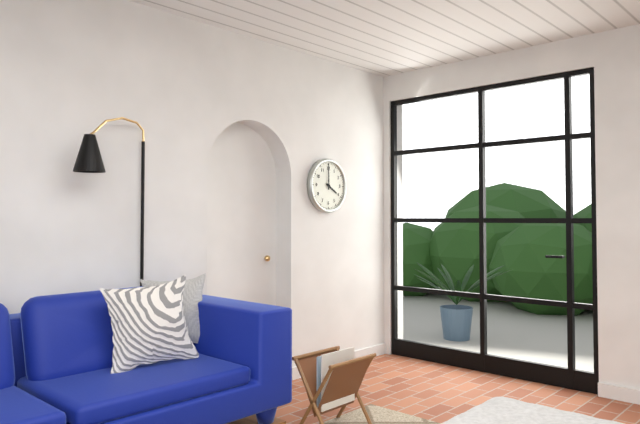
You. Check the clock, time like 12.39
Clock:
4.00
